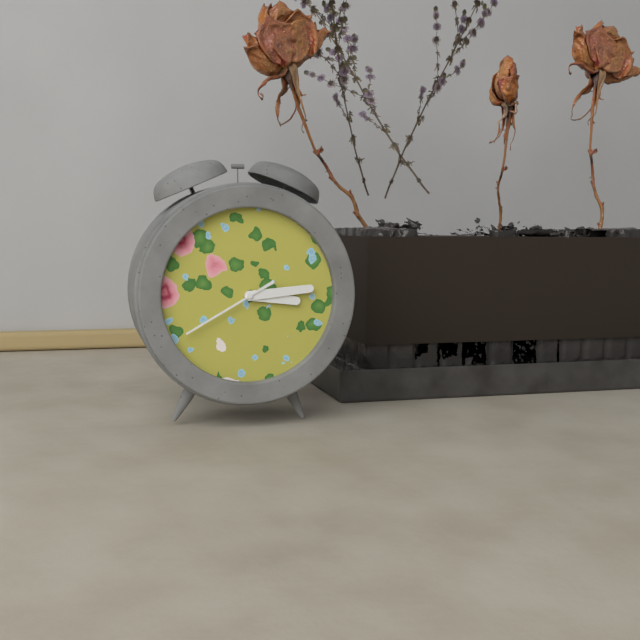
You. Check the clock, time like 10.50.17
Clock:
3.14.40
